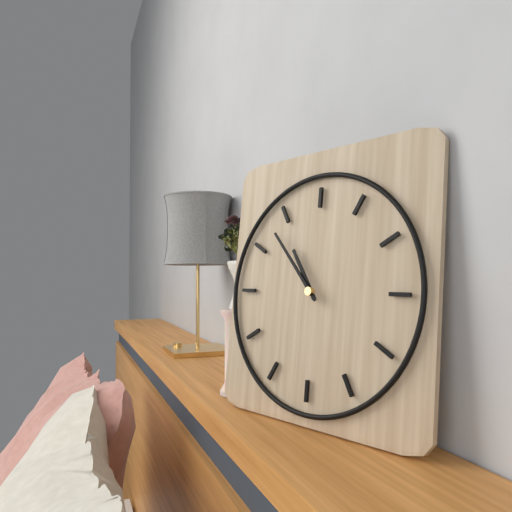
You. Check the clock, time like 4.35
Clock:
10.53
